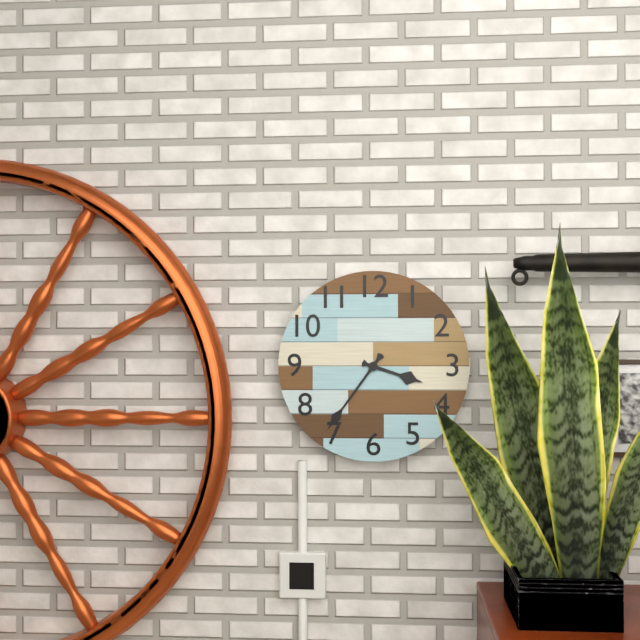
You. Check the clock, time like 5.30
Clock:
3.36
